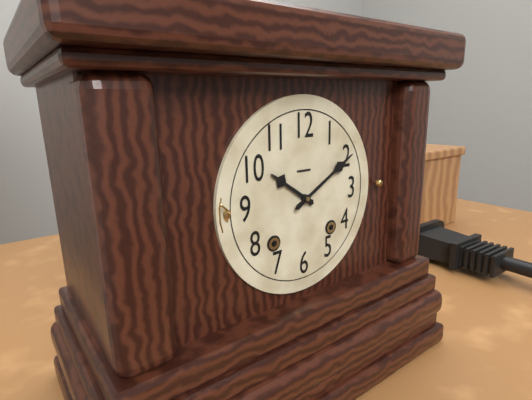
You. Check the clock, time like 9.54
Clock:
10.10
